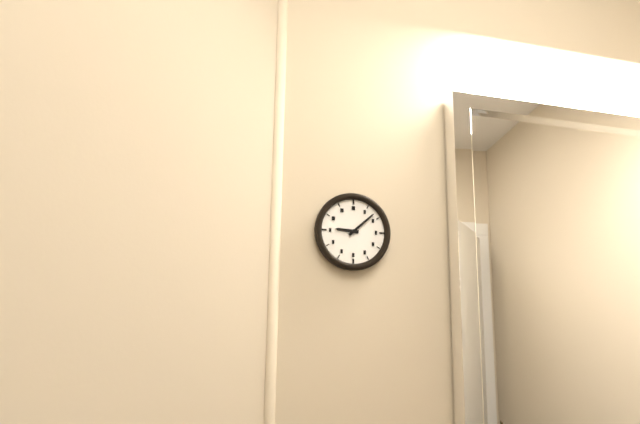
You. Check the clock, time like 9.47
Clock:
9.08
